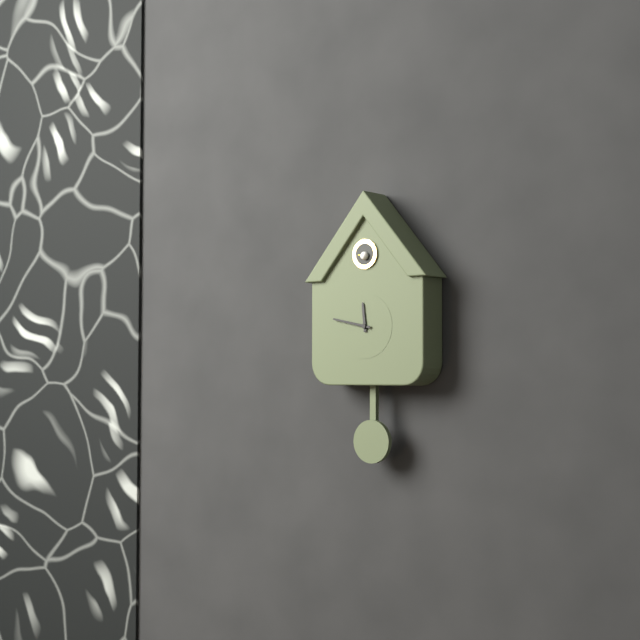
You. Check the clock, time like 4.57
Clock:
11.47
